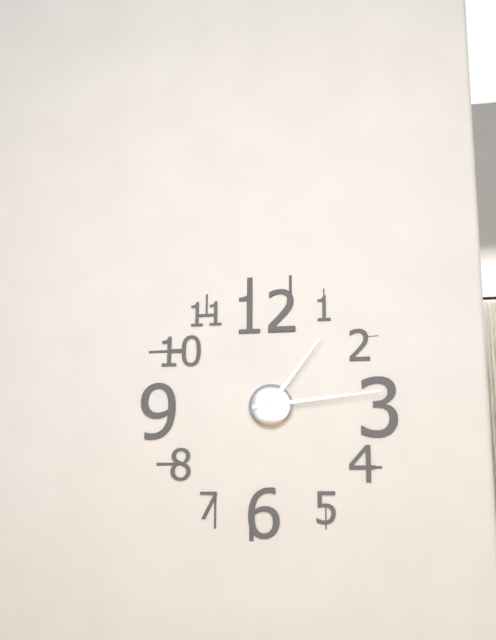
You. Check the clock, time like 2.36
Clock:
1.14
